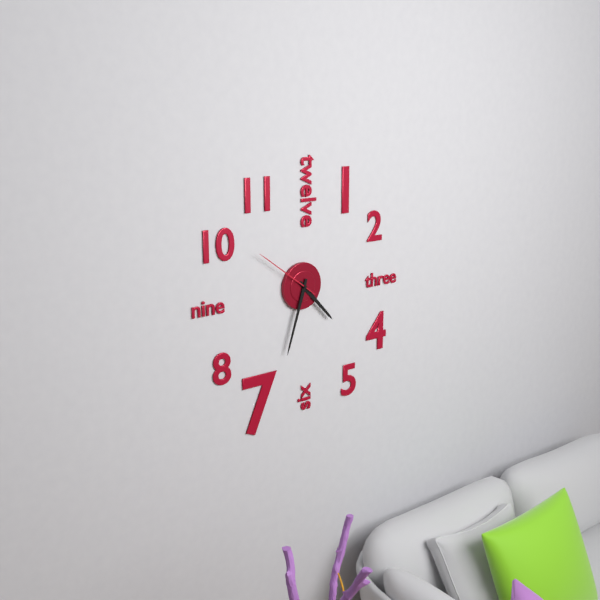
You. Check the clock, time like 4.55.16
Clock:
4.33.51
